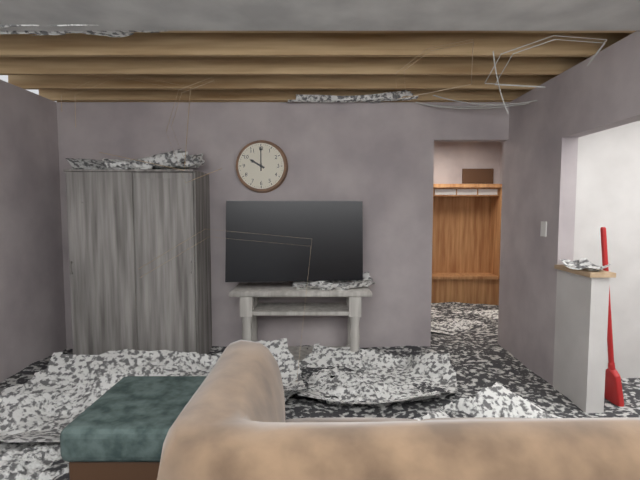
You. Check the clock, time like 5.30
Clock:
10.00
